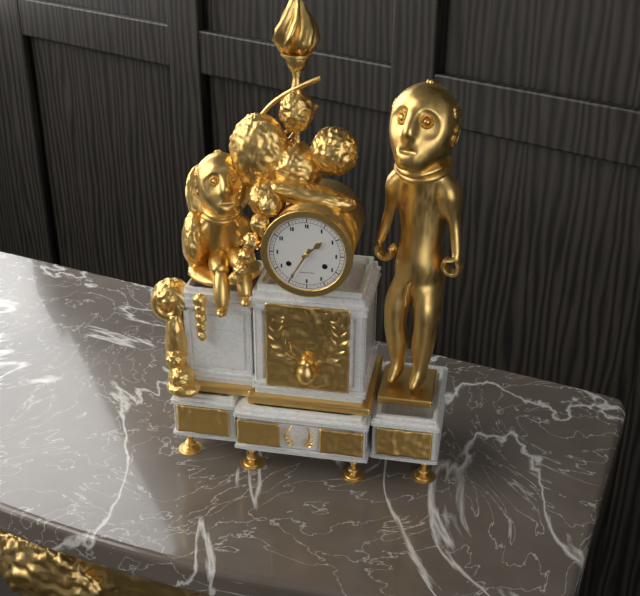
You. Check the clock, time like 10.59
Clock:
1.35
